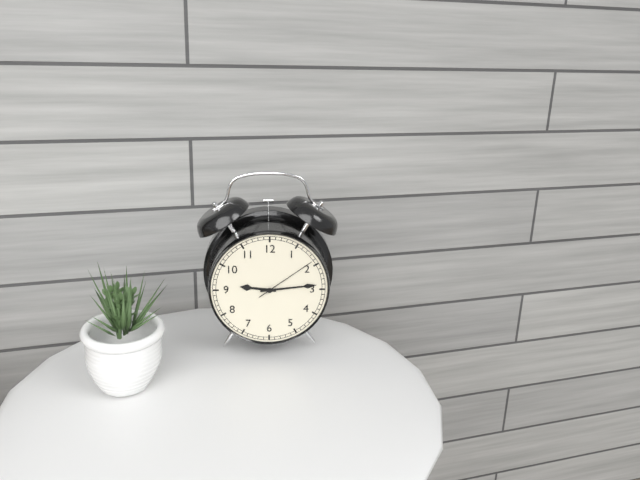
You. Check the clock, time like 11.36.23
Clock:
9.14.09
